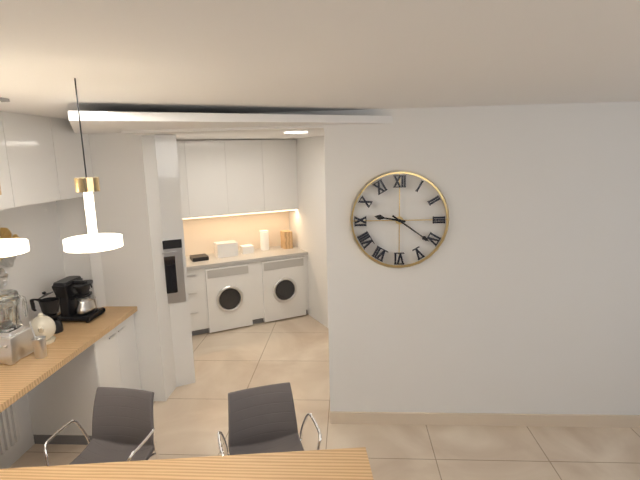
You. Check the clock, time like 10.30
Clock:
9.21
